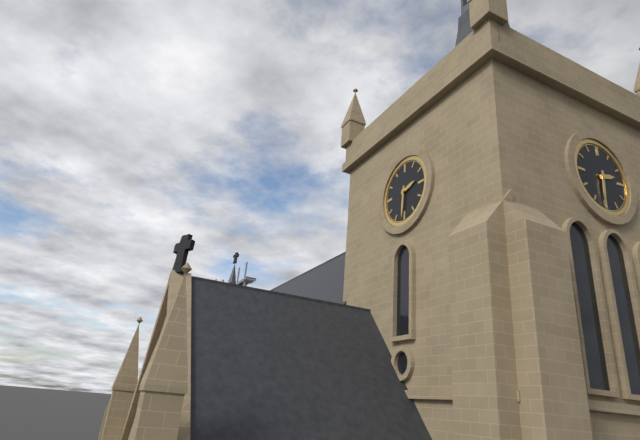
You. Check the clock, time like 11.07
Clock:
2.31
